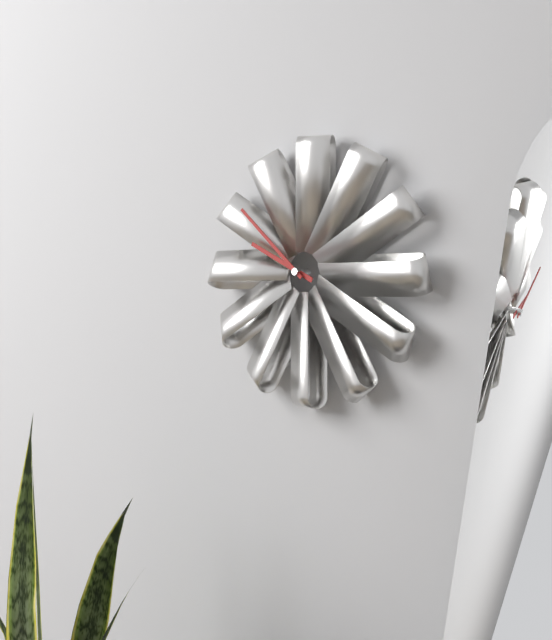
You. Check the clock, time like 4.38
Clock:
9.52
